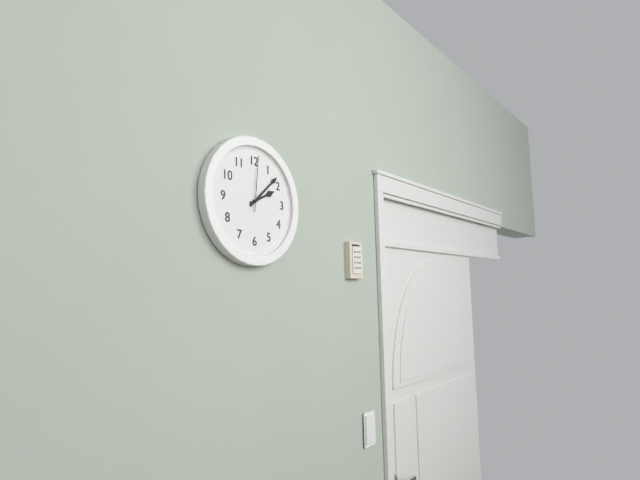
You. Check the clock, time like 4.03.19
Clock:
2.08.01
